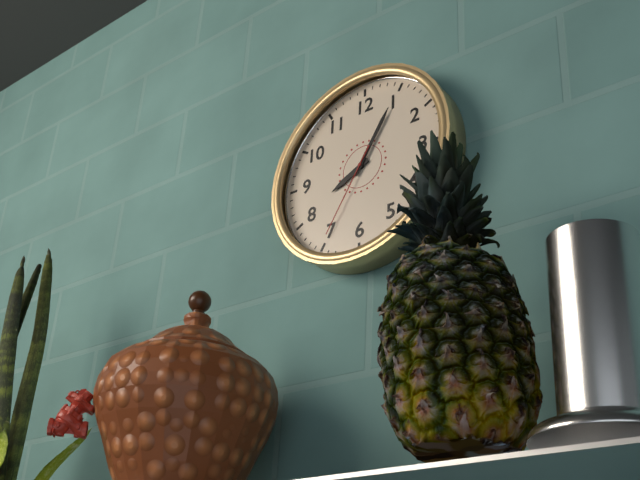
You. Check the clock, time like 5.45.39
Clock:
8.05.35
